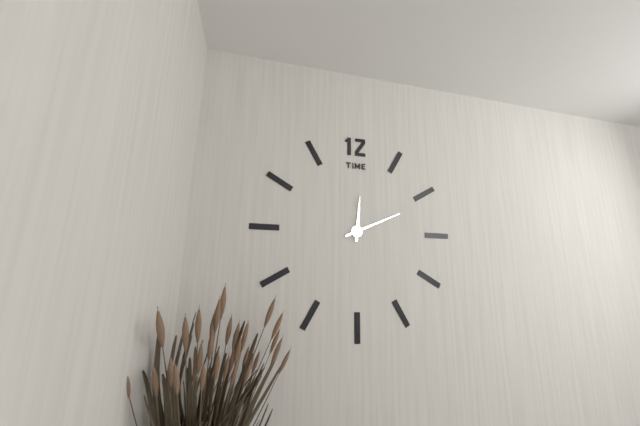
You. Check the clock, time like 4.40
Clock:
12.11
